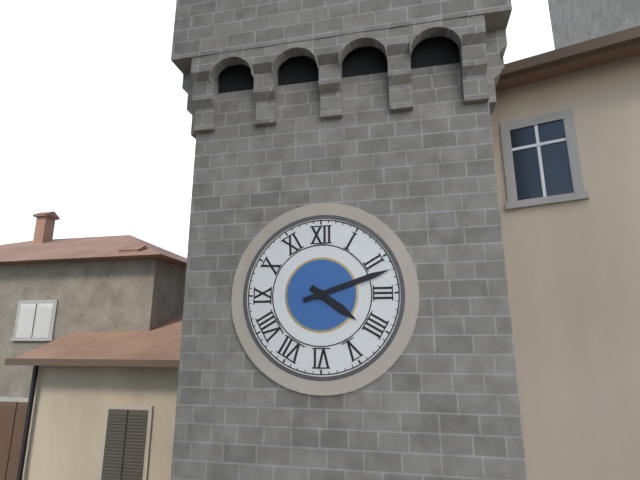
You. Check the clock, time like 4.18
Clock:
4.12
